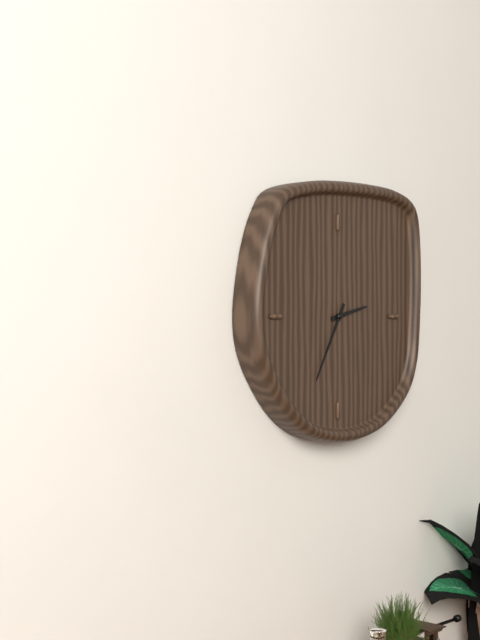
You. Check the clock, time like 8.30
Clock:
2.35
